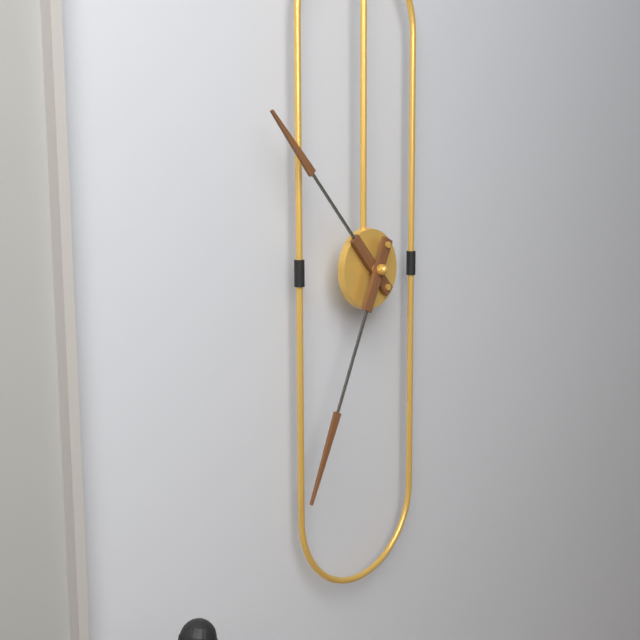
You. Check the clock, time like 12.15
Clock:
10.34
